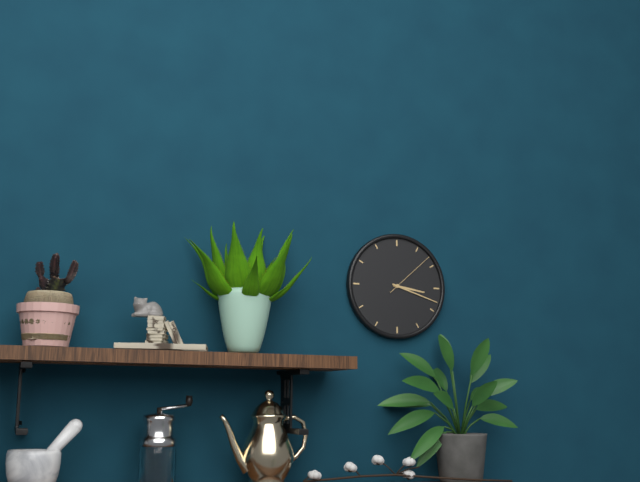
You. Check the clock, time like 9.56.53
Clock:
3.18.08
